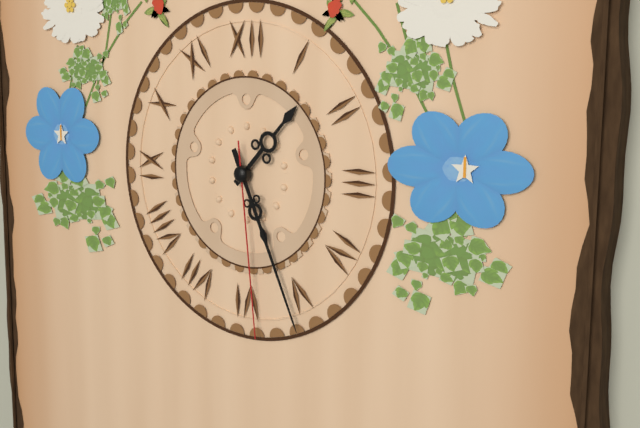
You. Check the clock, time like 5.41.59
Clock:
1.26.29
